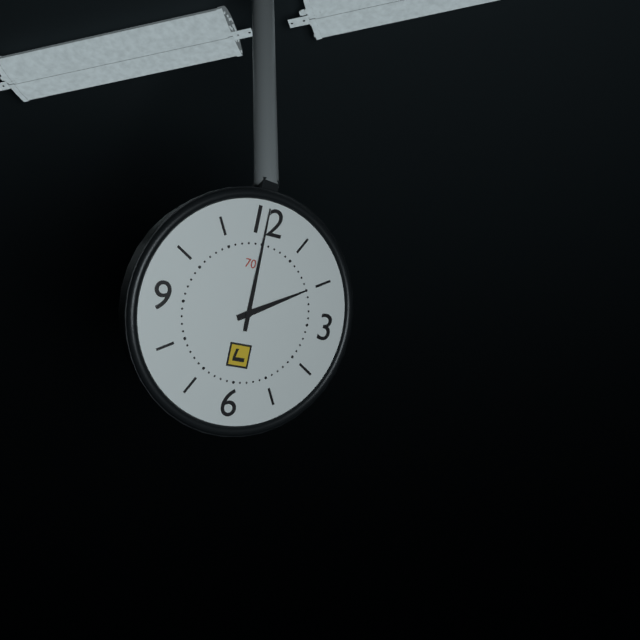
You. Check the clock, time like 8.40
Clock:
2.00
